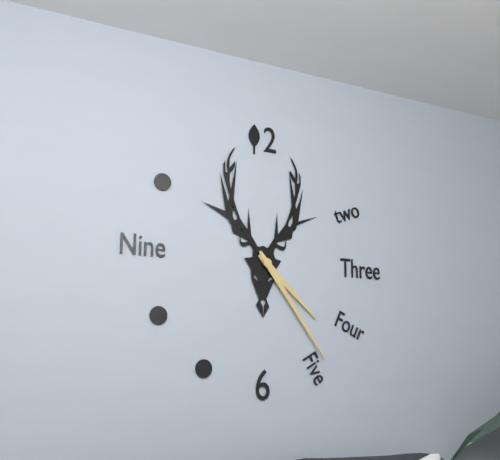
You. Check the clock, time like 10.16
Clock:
4.24
